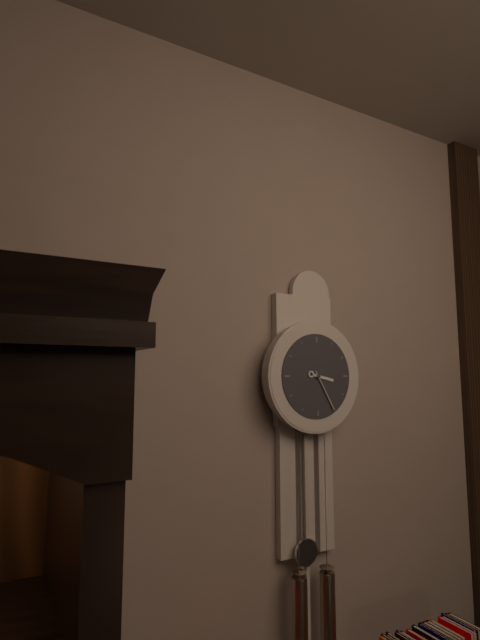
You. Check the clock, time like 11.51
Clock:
3.25
